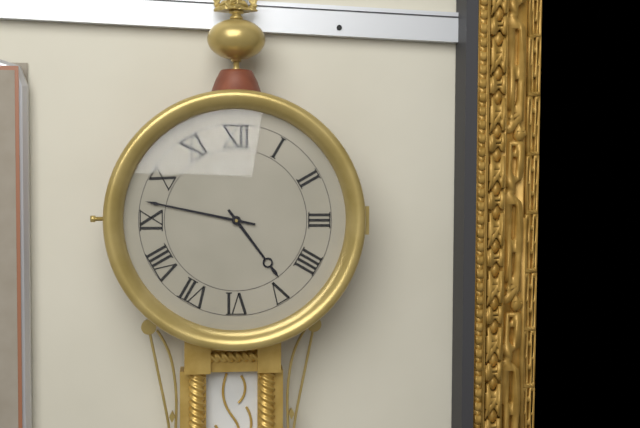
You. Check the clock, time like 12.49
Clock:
4.47
